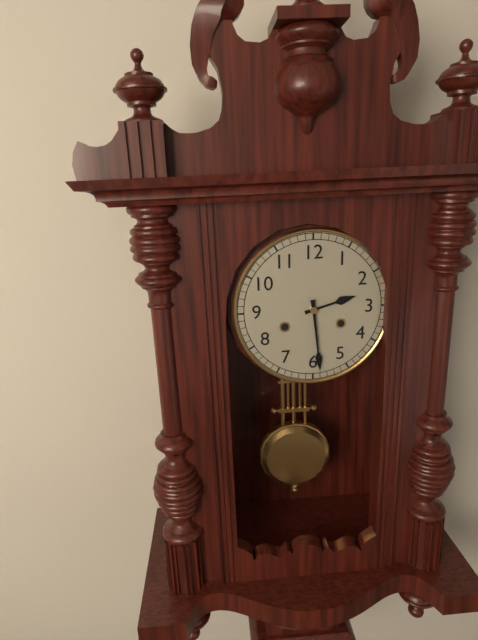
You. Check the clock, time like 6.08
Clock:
2.29
